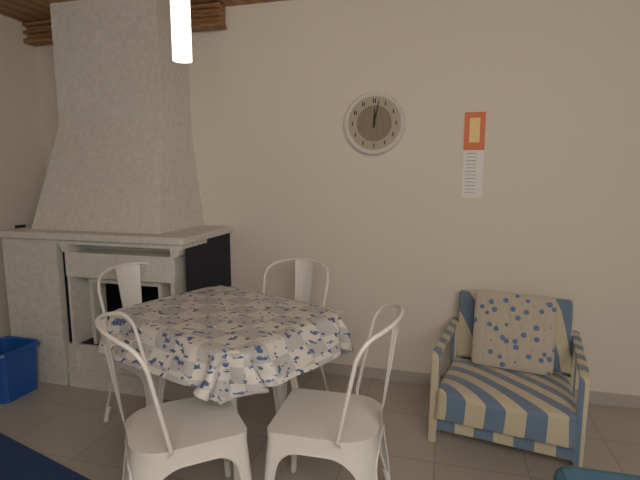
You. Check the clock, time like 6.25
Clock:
12.02
